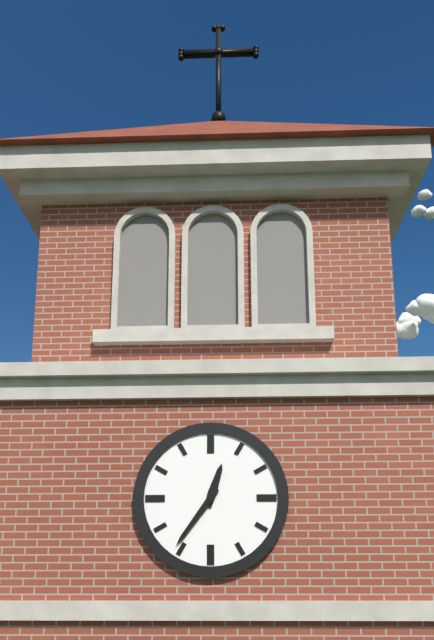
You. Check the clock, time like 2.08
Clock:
12.36
